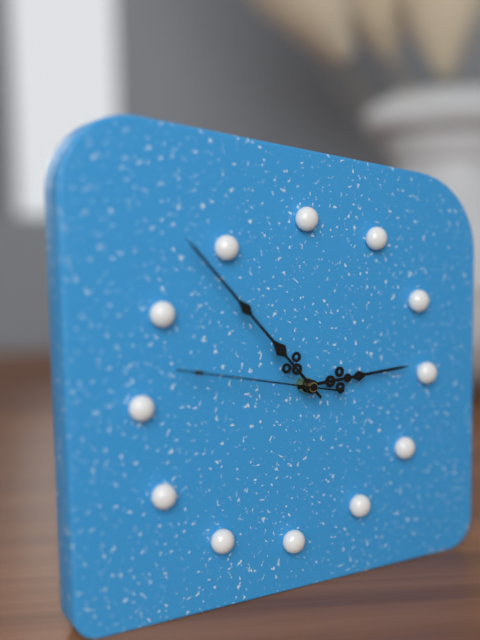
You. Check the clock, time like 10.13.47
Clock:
2.53.47
